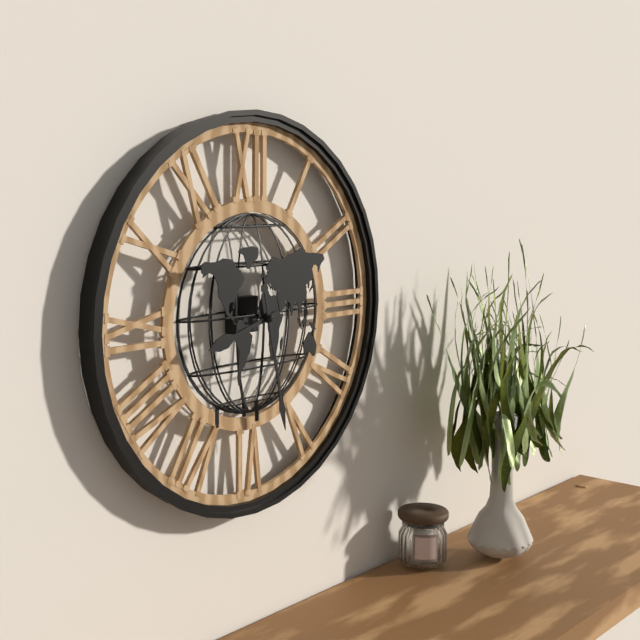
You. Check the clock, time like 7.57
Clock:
8.28
